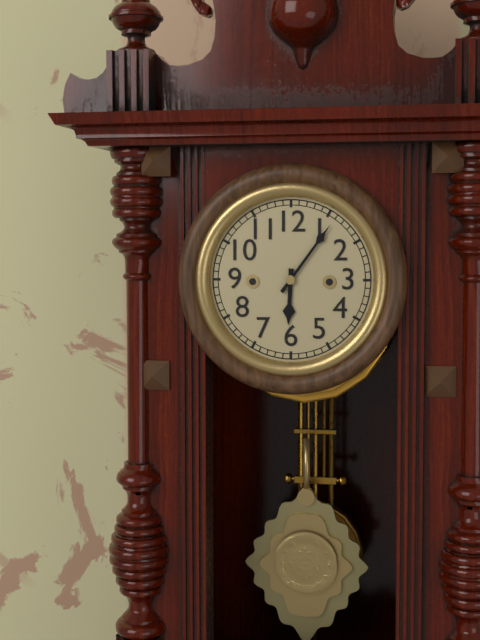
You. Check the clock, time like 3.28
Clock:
6.06
